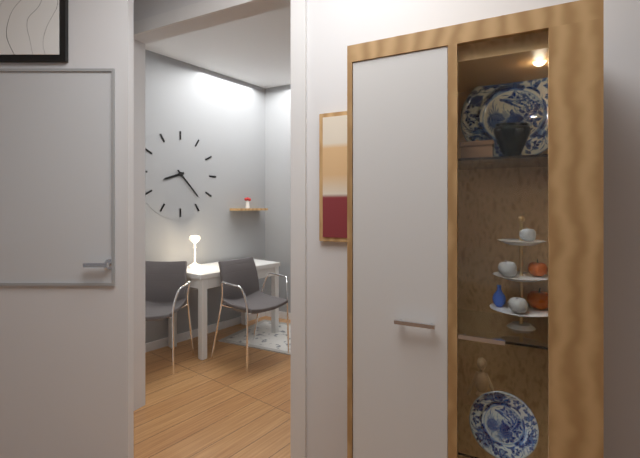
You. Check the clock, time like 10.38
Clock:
8.23
